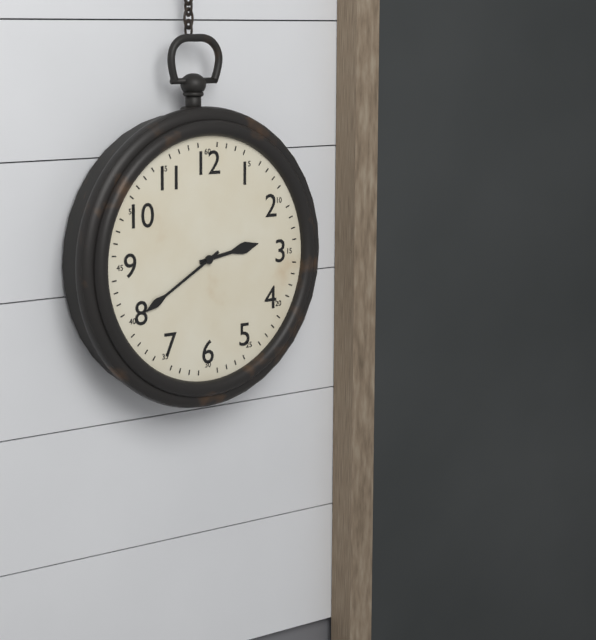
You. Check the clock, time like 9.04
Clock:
2.40
